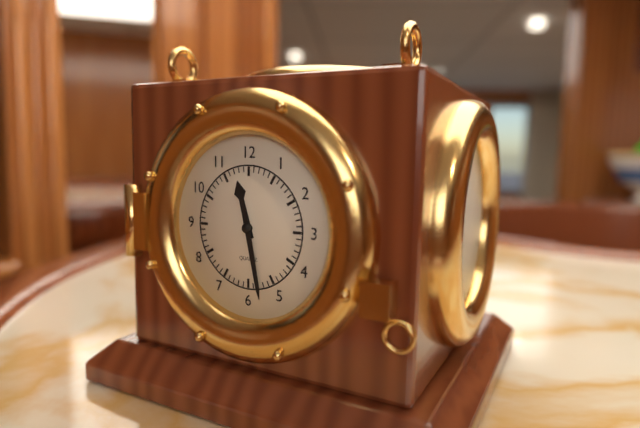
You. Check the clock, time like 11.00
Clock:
11.28
